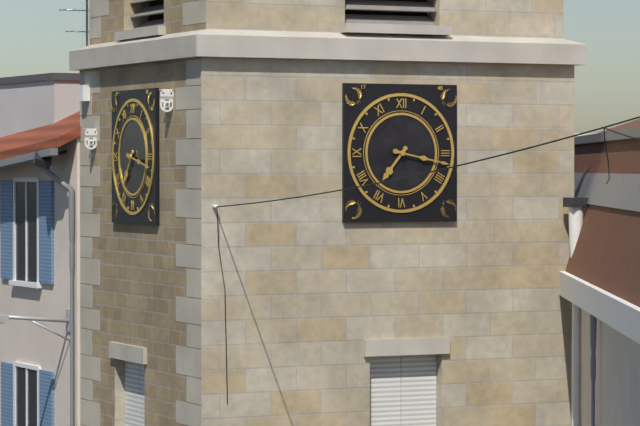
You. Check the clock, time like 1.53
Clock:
7.17
